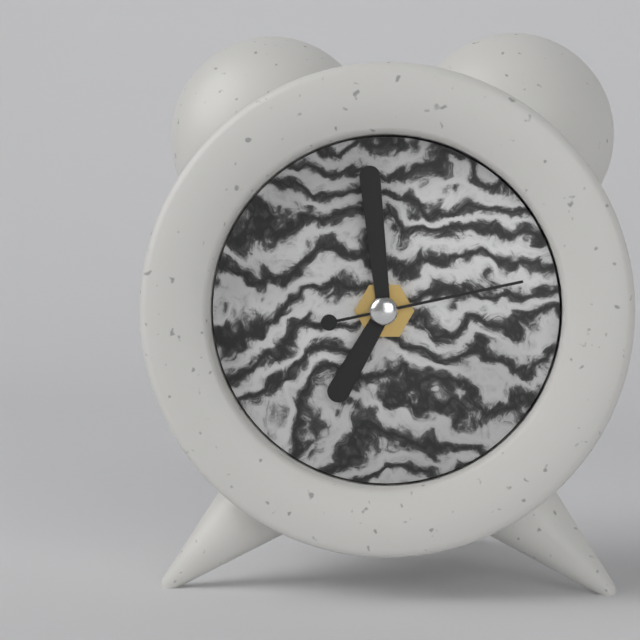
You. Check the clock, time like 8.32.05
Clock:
6.59.13
